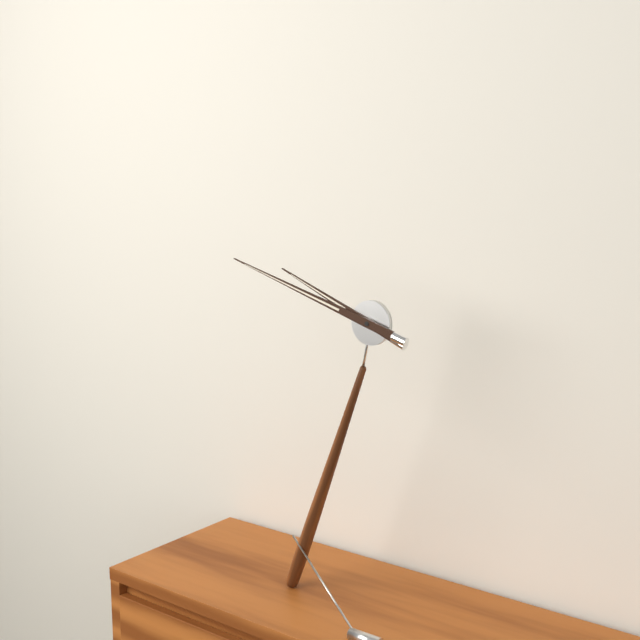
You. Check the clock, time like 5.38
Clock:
9.48
